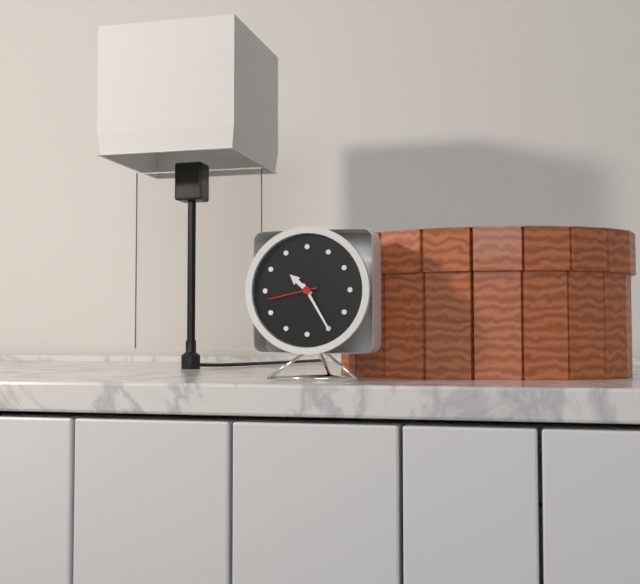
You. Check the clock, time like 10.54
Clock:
10.25
